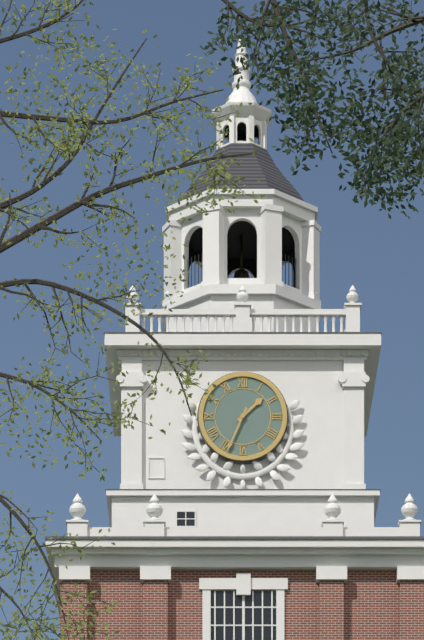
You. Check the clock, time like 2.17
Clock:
1.34
